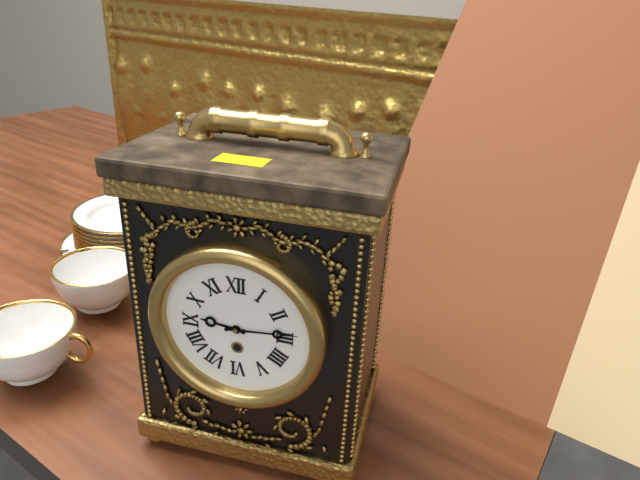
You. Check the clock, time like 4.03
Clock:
9.14
